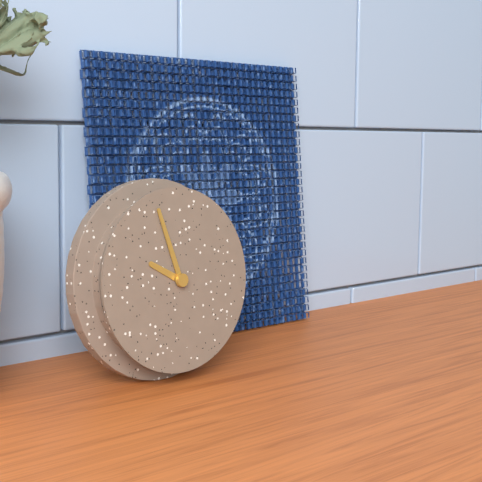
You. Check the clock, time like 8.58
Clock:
9.57
